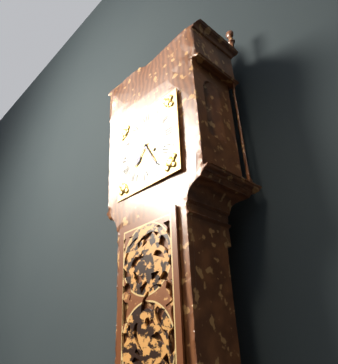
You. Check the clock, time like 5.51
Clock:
7.25
